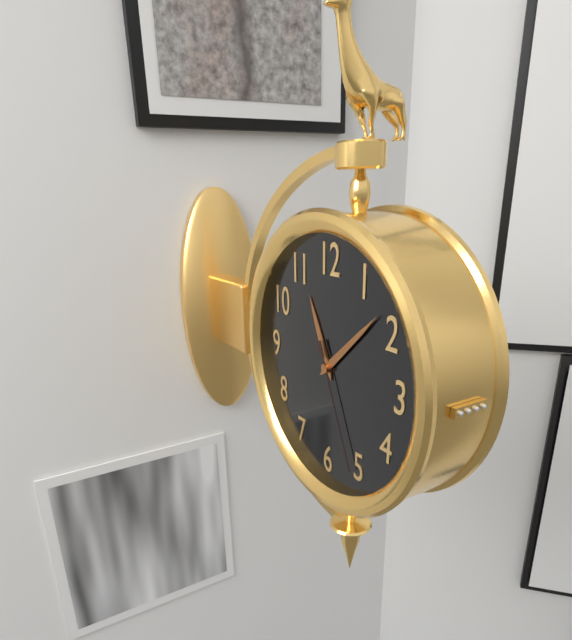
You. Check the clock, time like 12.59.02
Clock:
11.08.26
